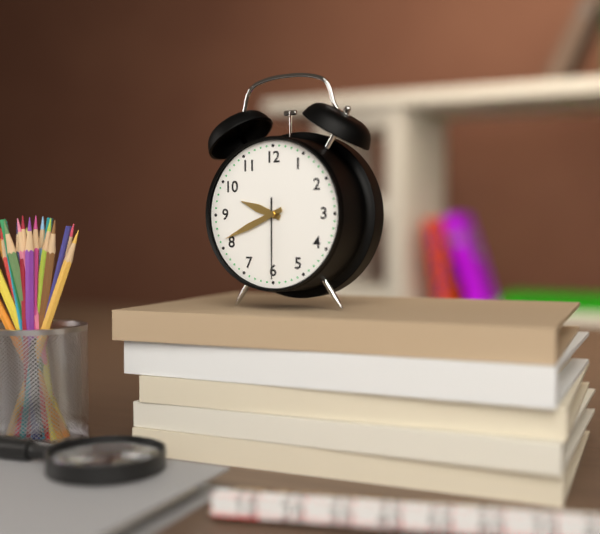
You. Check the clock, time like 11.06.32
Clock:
9.41.30
